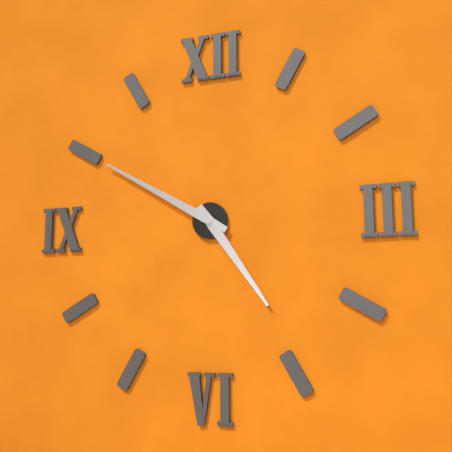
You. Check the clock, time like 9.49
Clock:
4.50
